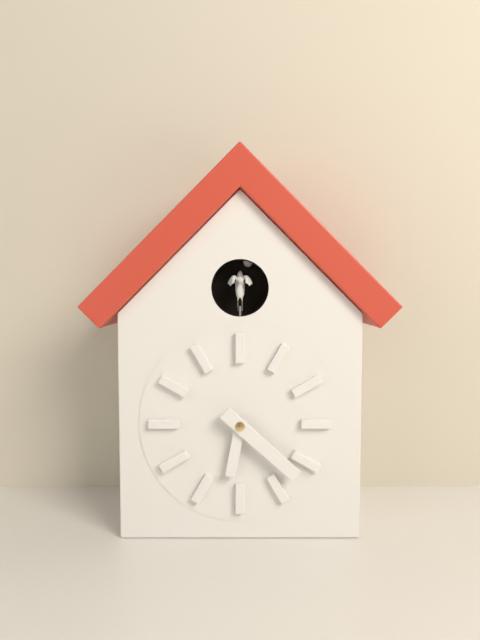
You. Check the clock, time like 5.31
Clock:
6.22
